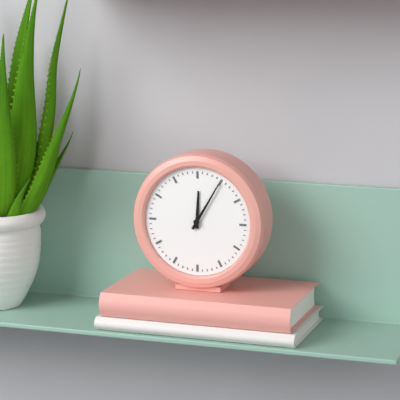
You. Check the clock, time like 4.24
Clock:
12.05
